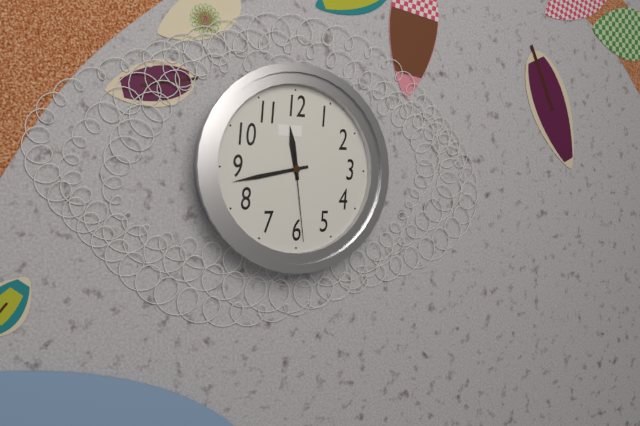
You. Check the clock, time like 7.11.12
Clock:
11.43.29
